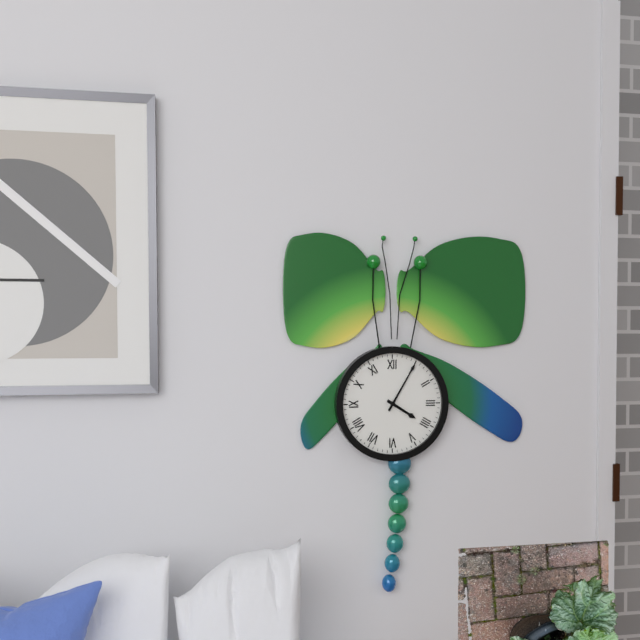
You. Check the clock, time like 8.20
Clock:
4.05
